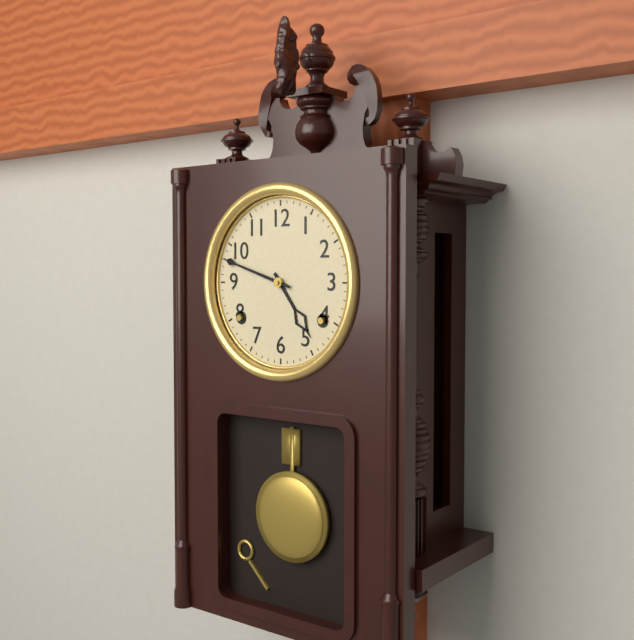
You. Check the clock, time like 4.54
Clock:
4.48
